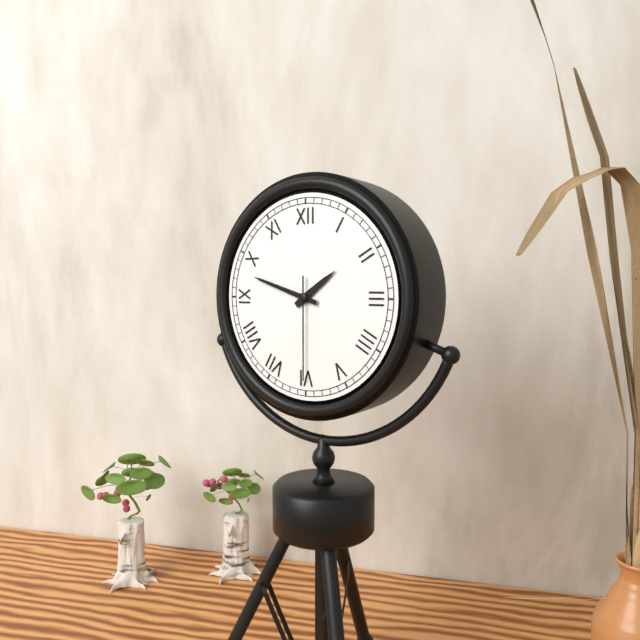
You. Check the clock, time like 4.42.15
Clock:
1.48.30
